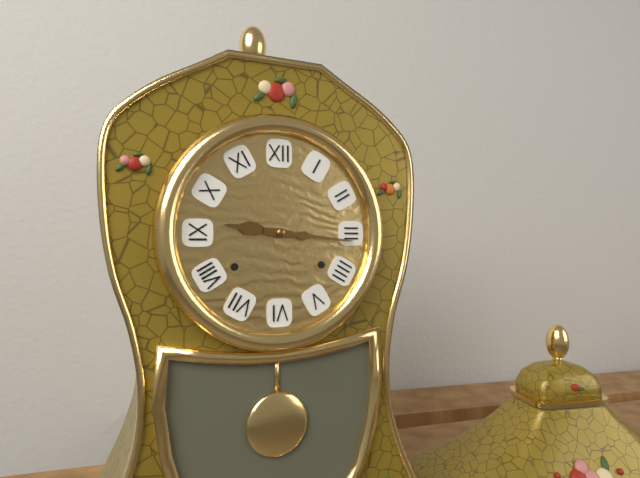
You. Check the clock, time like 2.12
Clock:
9.16
